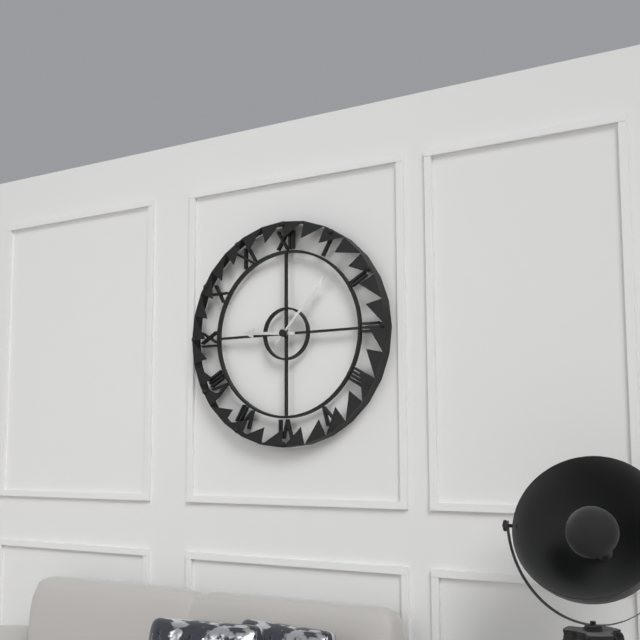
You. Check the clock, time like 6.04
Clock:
9.07
